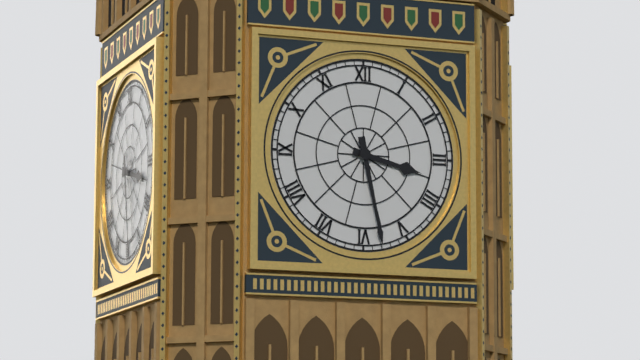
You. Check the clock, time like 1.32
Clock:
3.28
